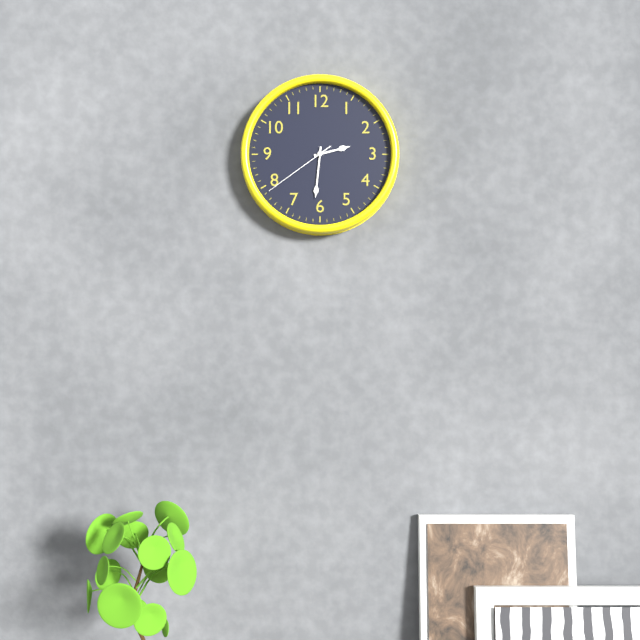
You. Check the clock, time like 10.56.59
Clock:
2.31.39
